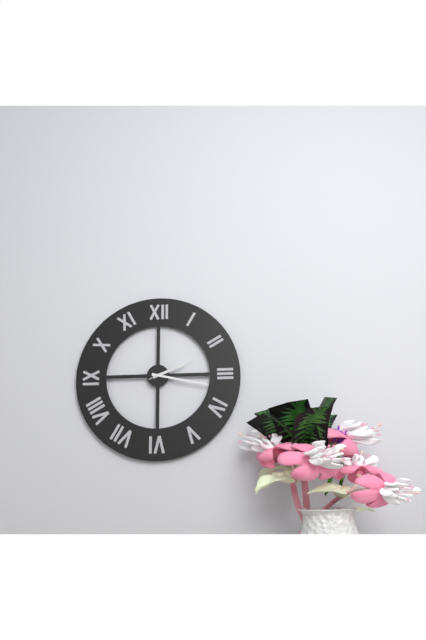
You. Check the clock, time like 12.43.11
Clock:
2.17.11
